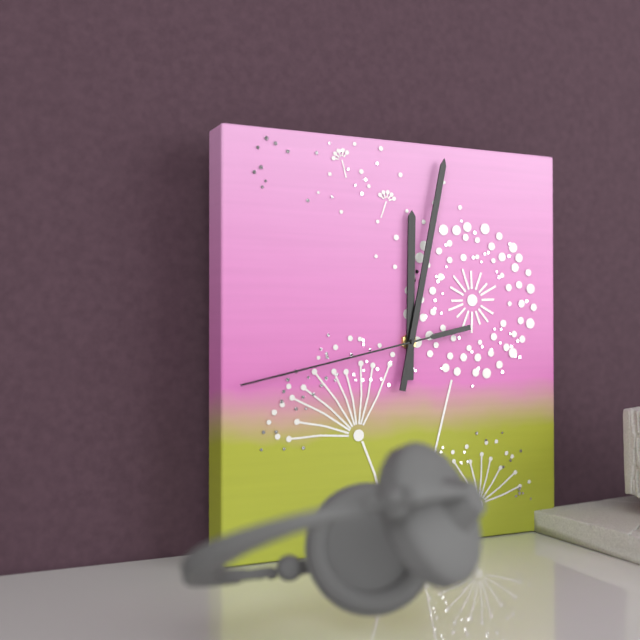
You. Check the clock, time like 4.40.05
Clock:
12.02.43
